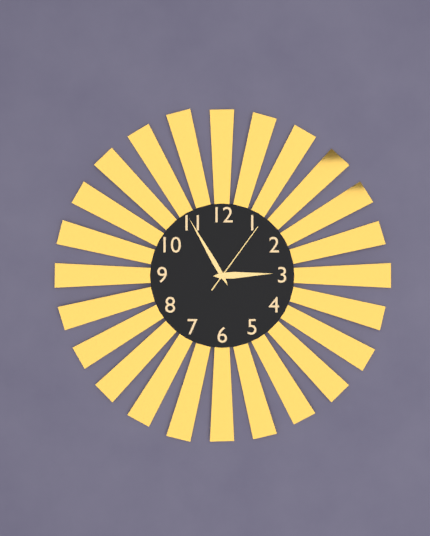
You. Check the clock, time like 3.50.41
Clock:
2.55.06
